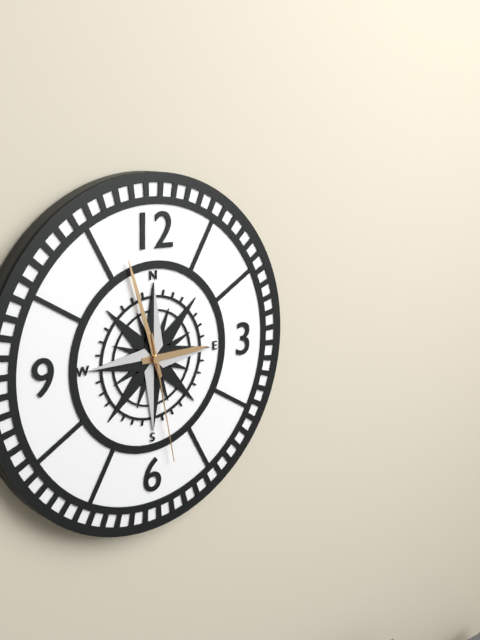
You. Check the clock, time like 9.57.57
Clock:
2.57.28
